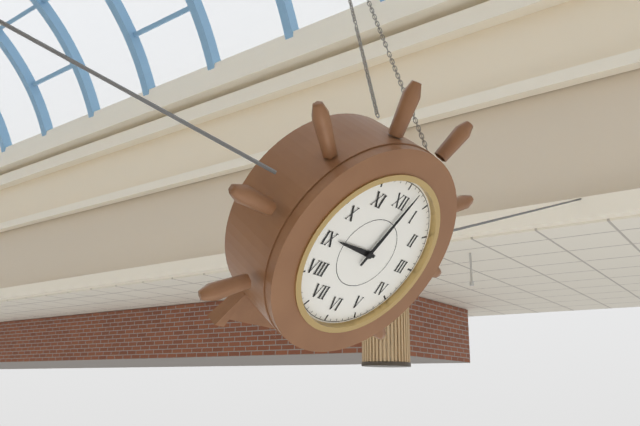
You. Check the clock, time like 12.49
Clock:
9.02
